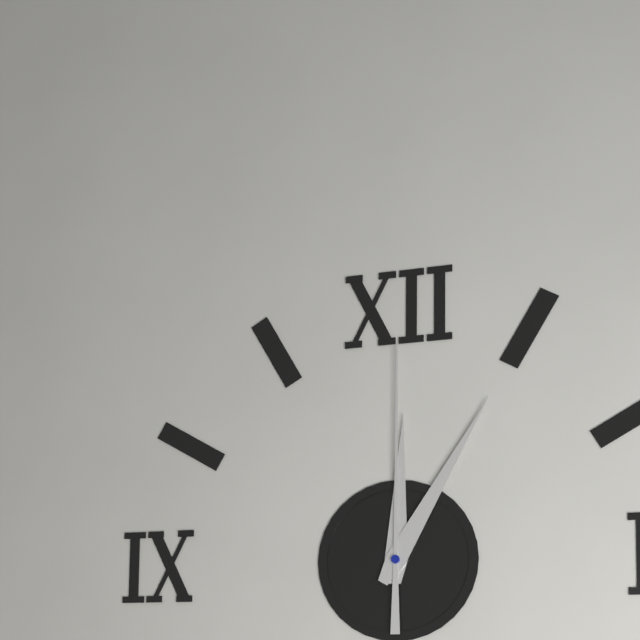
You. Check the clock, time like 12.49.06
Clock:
12.05.00
